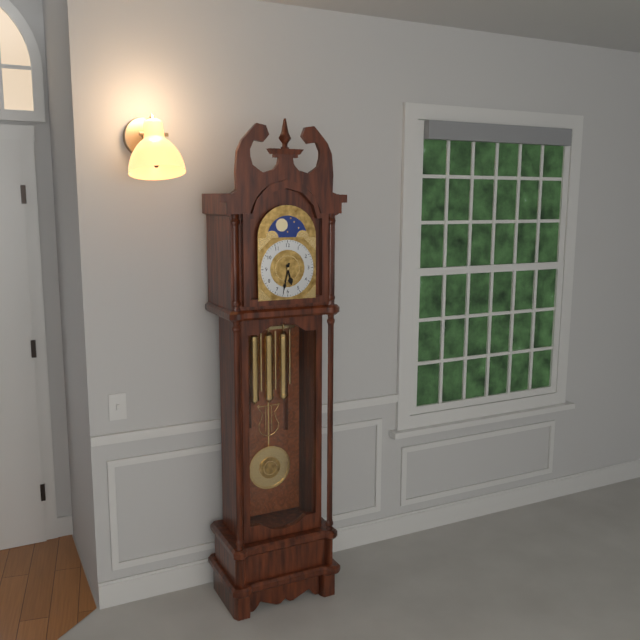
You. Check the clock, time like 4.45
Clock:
5.32
